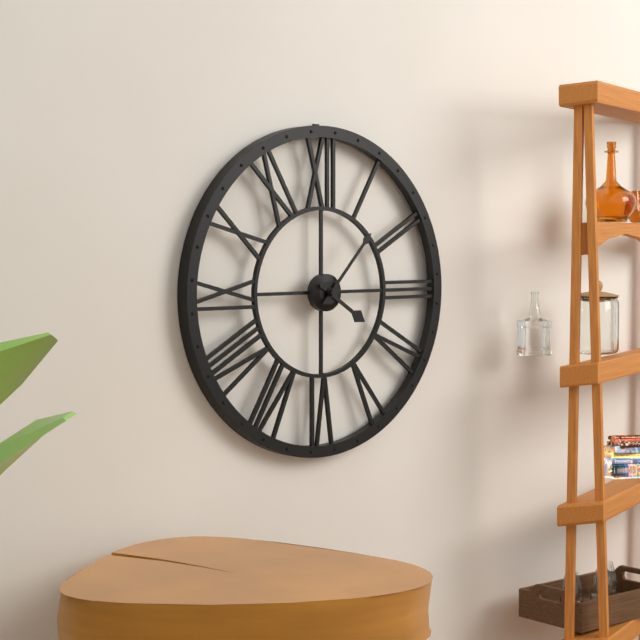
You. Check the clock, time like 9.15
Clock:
4.07
